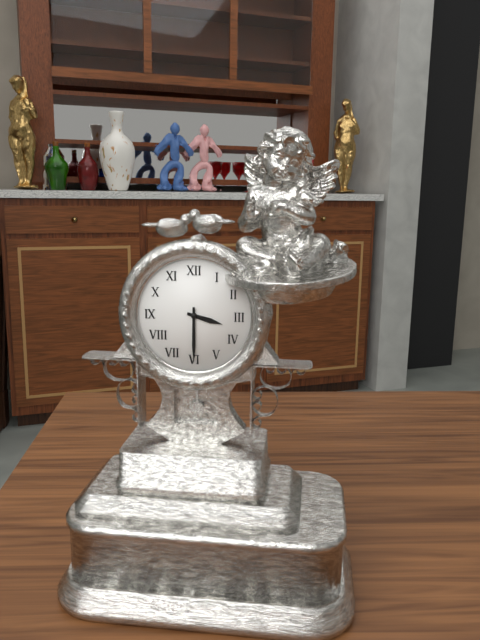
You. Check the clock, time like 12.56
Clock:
3.30
